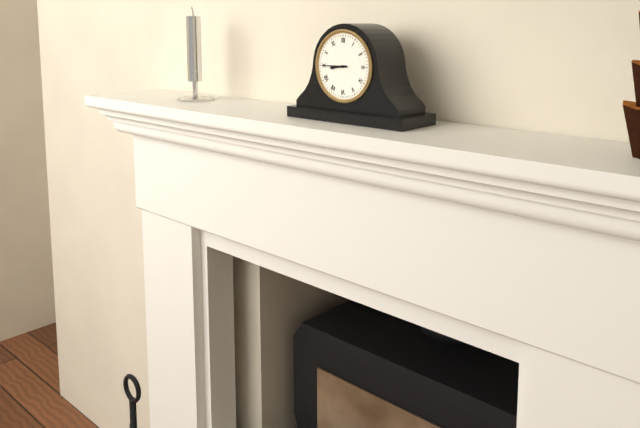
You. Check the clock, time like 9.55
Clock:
8.45
